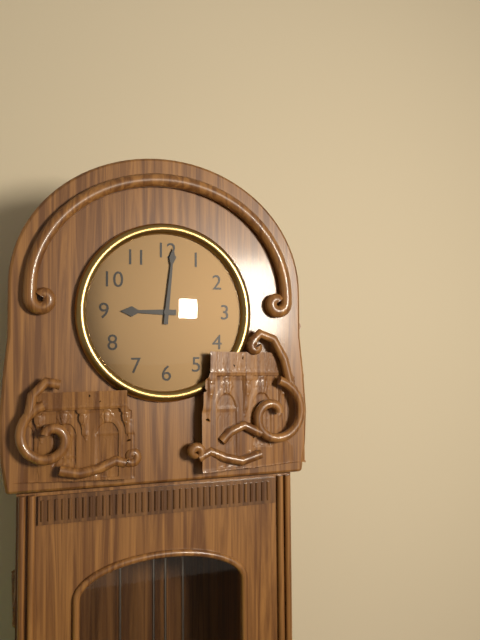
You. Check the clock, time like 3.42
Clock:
9.01
